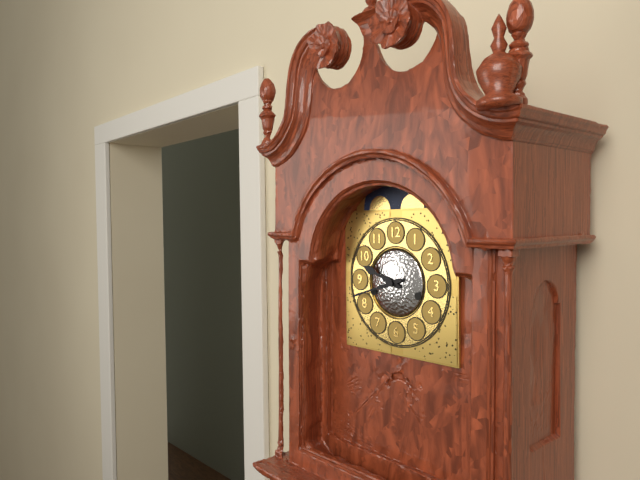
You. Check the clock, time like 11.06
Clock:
9.42
